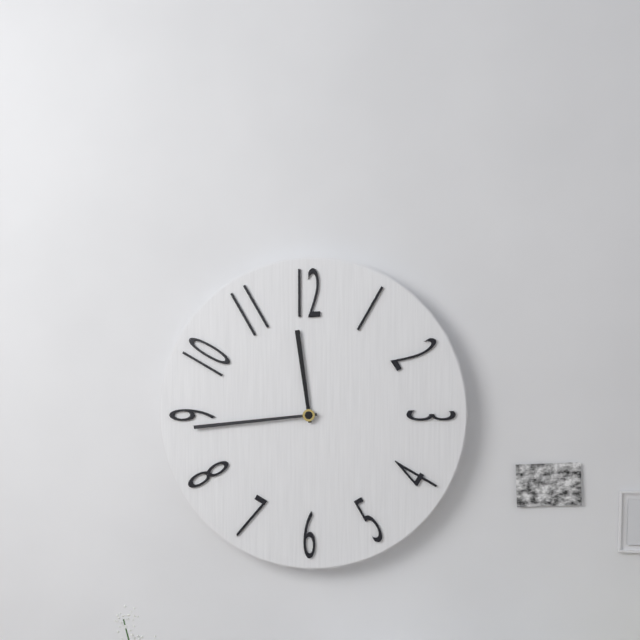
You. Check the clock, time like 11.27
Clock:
11.44
